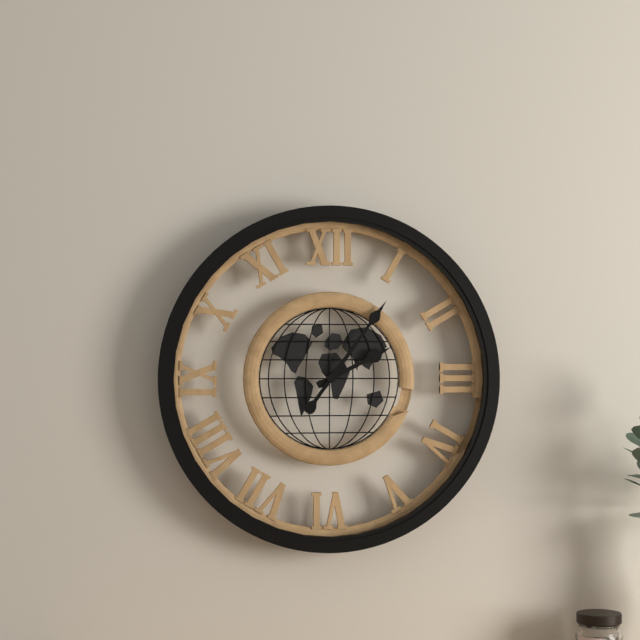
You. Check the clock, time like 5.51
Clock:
2.06
